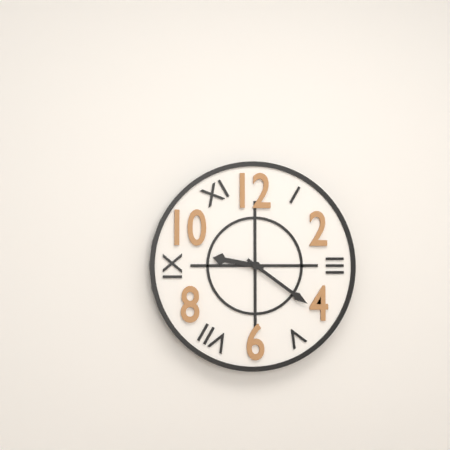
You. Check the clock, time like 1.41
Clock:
9.21
